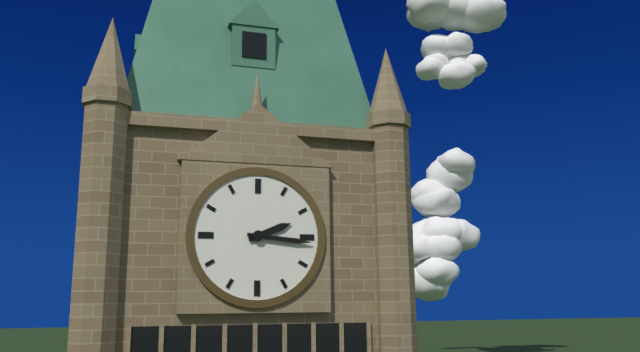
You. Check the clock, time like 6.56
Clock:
2.16
